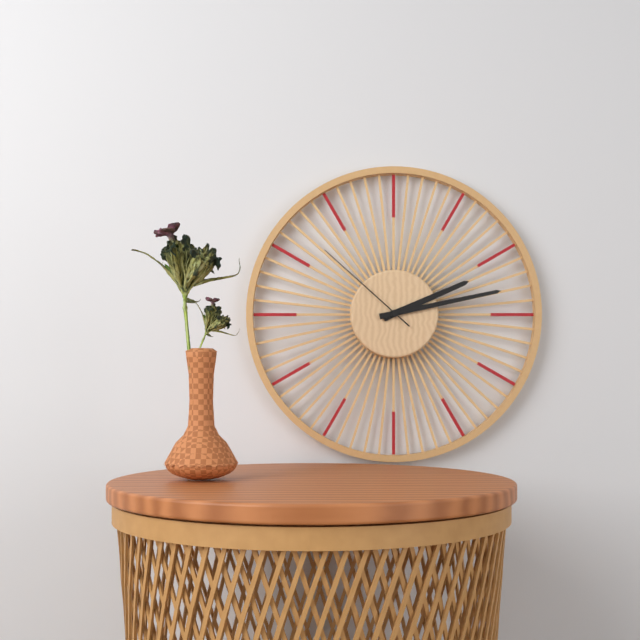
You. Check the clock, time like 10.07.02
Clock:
2.13.52
